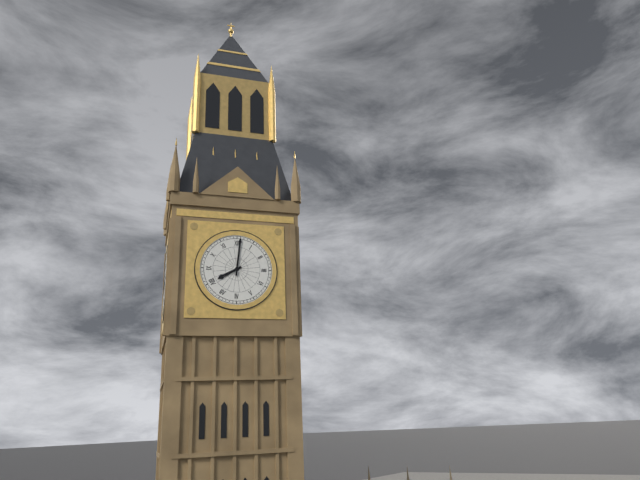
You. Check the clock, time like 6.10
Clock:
8.01
